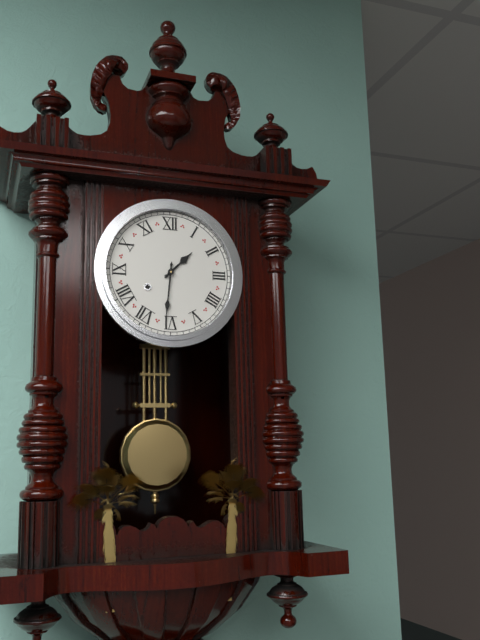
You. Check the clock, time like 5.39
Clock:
1.31
